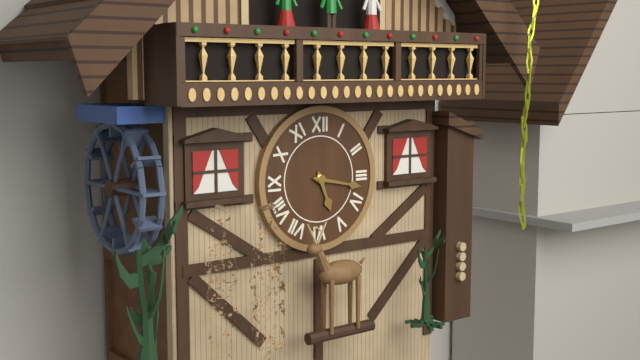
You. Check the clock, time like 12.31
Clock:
5.17
